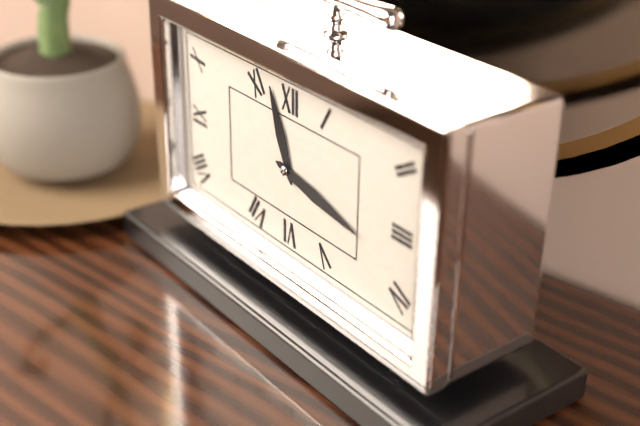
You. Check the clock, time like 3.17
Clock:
11.17
